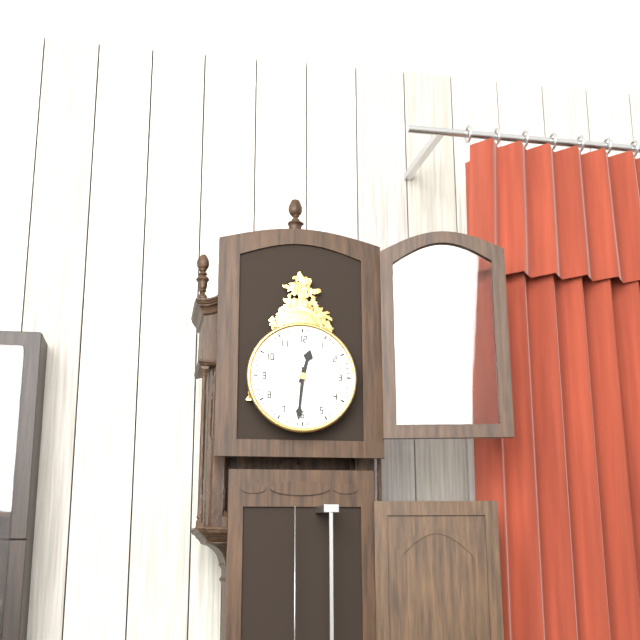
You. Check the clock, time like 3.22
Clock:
12.31
